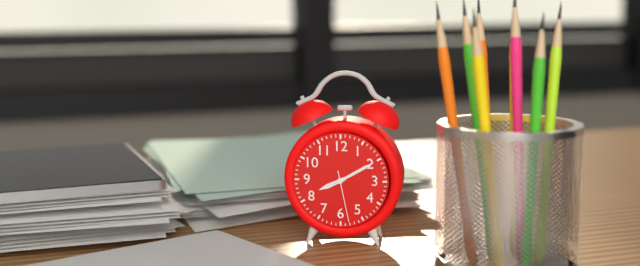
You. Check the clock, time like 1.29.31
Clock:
8.10.28
